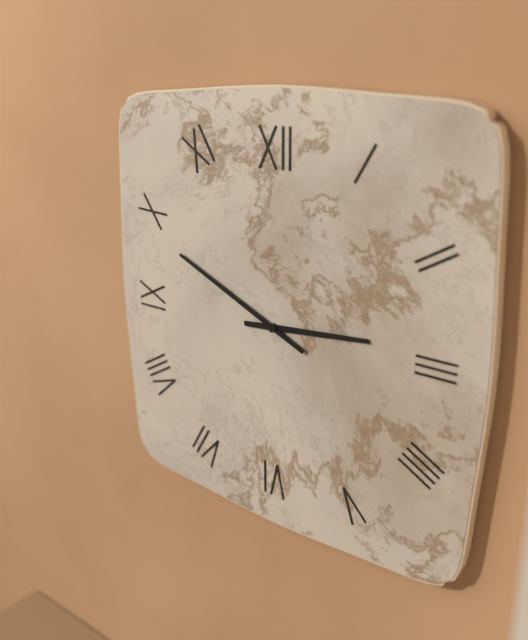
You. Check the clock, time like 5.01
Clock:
2.49
